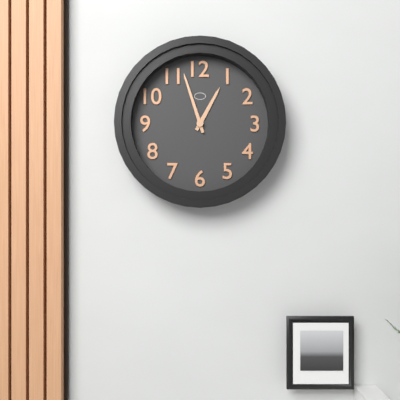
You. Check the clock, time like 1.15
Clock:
12.57
